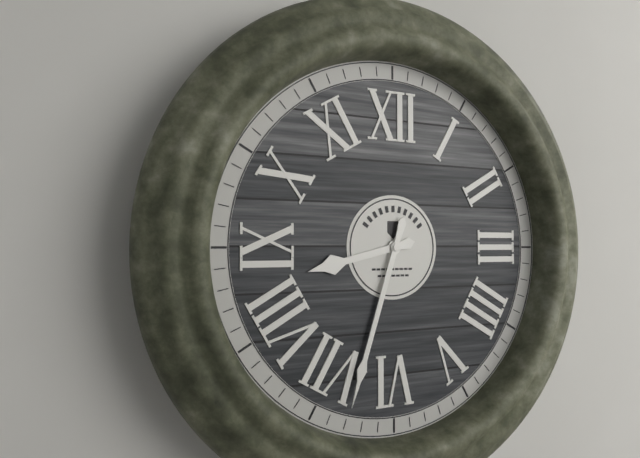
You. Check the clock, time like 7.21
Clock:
8.33
